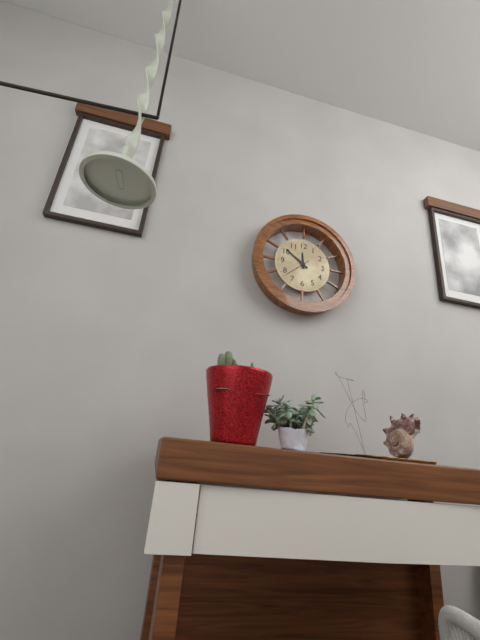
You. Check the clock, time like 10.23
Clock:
11.51
